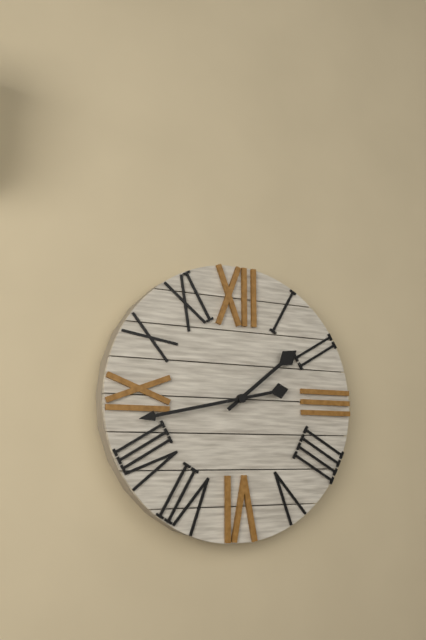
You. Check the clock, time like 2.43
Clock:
1.43
